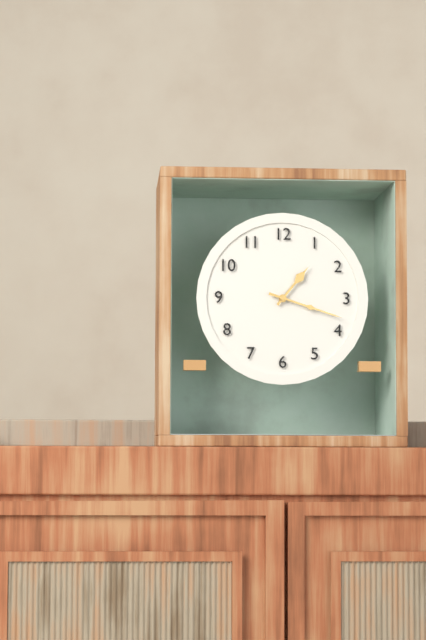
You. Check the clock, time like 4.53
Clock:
1.18
